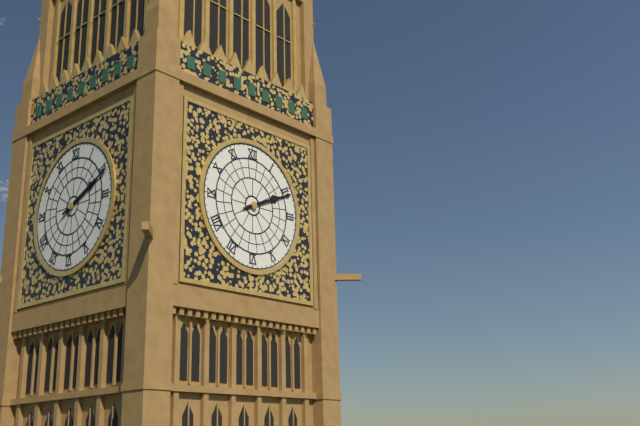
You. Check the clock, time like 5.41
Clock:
2.11
